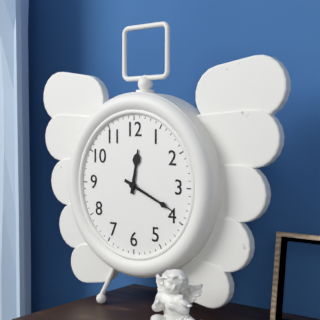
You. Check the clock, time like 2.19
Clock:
12.19
